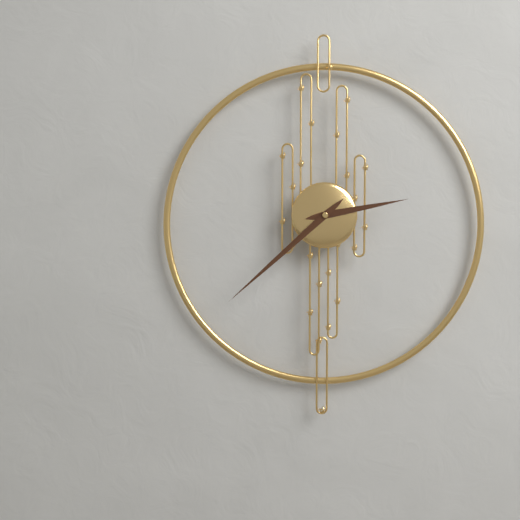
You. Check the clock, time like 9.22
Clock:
2.38
